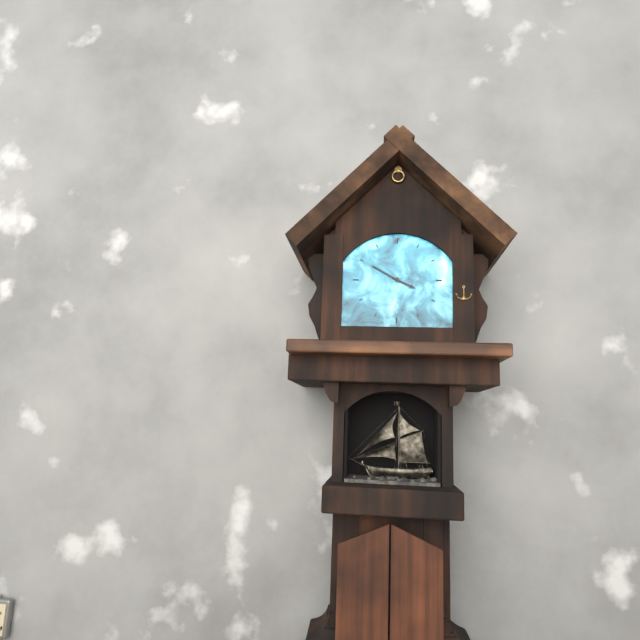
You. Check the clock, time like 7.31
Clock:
3.50
